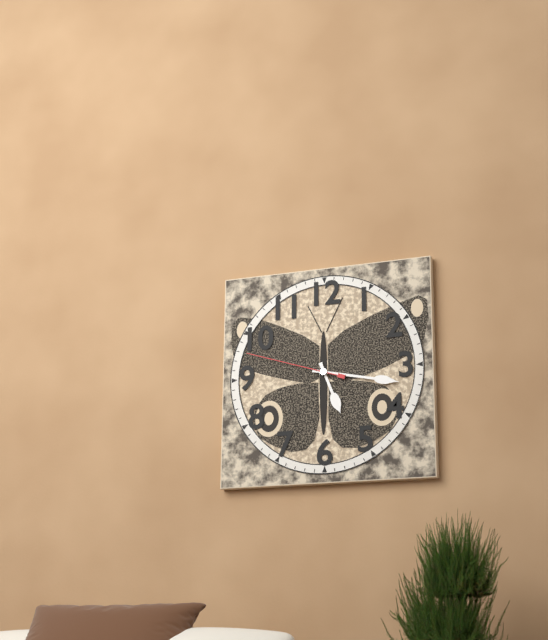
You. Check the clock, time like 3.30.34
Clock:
5.17.48
